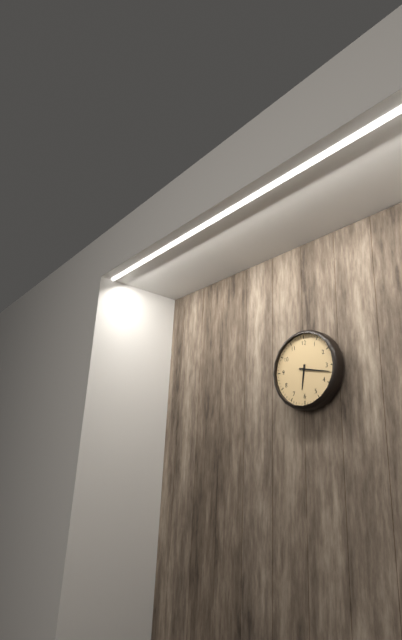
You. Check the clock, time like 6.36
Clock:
6.17
